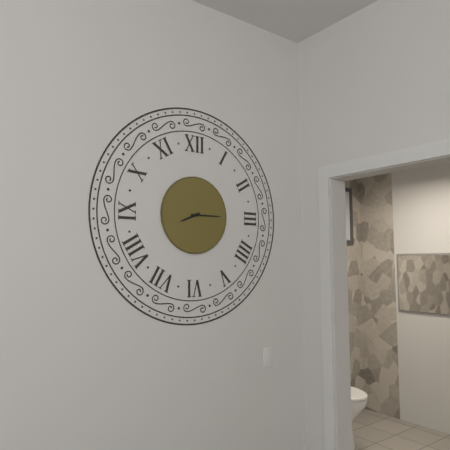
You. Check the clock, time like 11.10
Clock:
8.15
